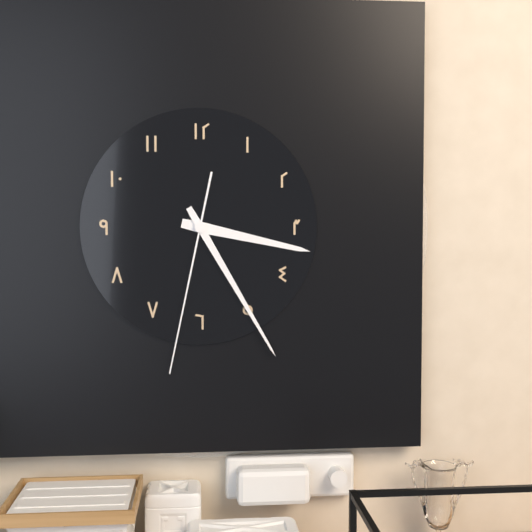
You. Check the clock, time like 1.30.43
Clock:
3.25.32
